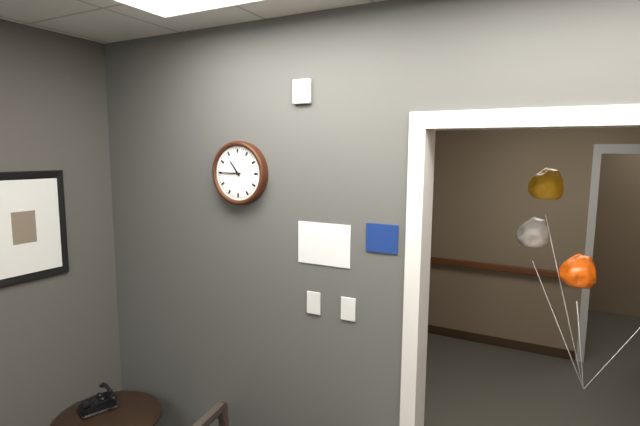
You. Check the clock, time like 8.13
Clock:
10.45
